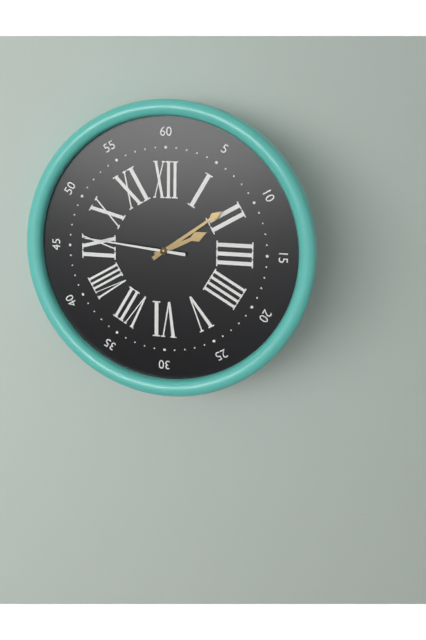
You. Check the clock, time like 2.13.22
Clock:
2.09.46
